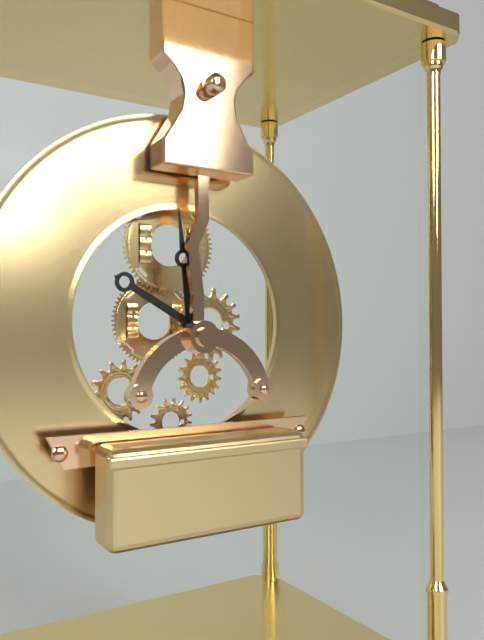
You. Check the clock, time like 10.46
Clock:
9.59
